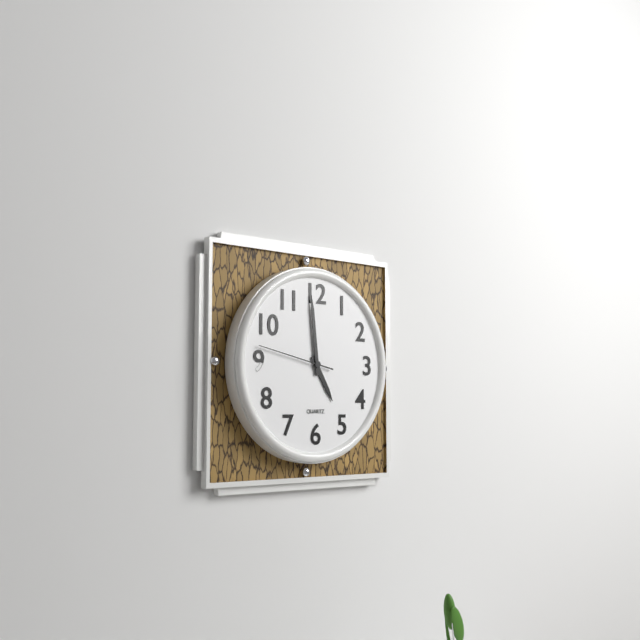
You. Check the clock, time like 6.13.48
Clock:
4.59.47
